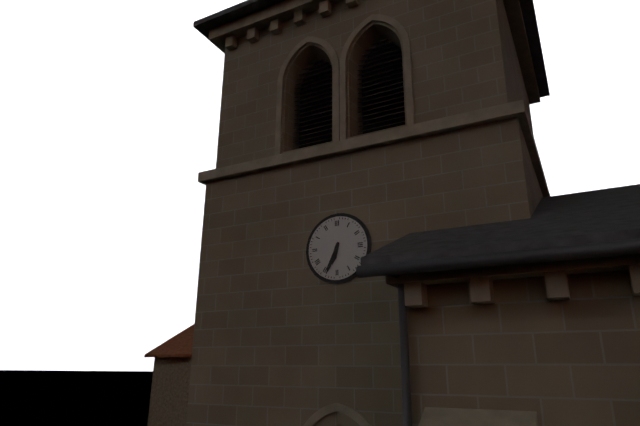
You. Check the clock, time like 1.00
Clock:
6.34
